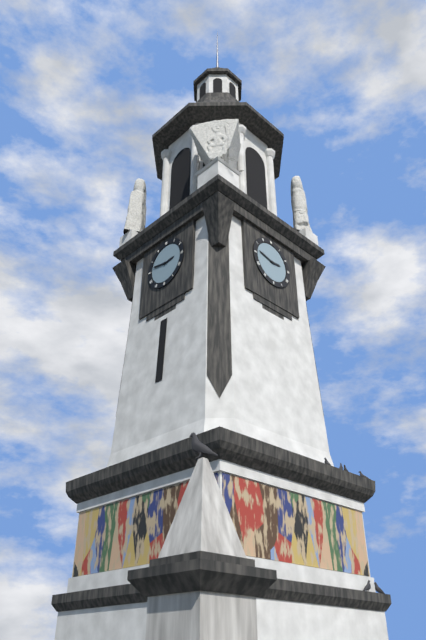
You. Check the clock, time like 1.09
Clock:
2.47
